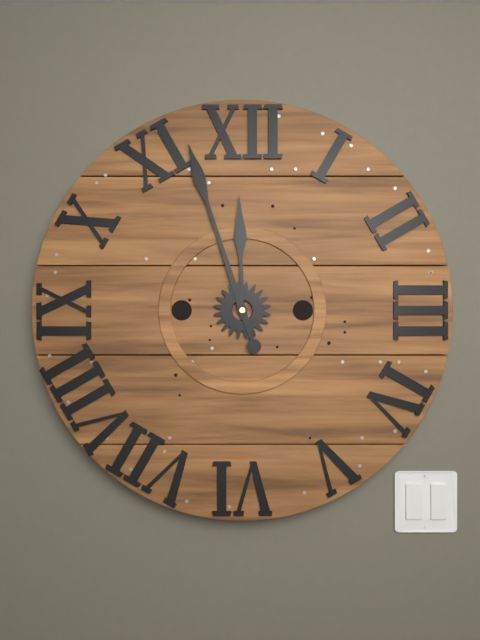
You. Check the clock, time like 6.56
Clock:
11.57
